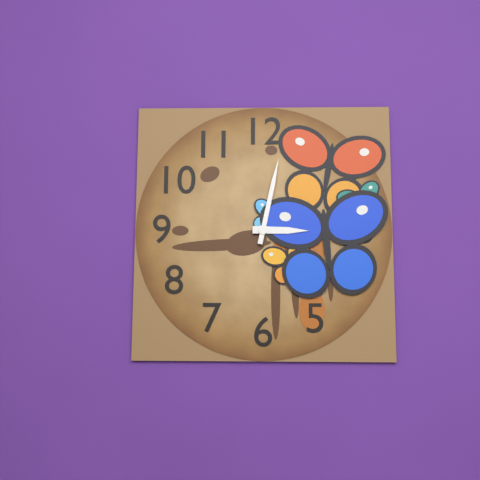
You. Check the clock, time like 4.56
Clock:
3.02
